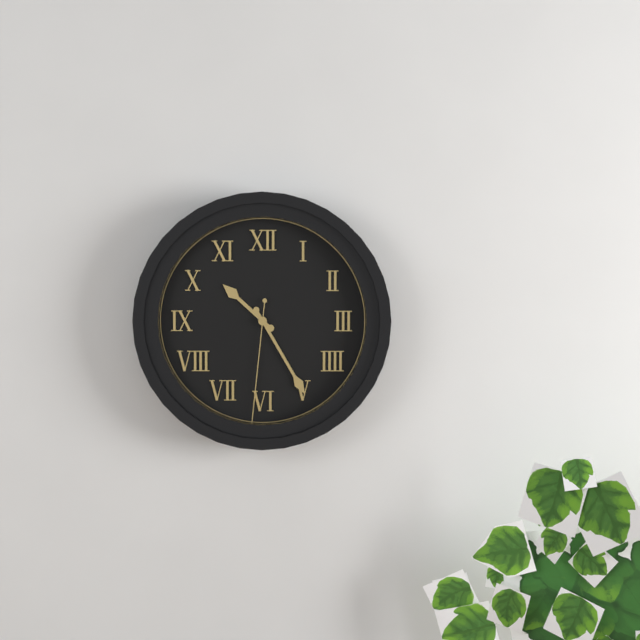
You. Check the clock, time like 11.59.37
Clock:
10.25.31
